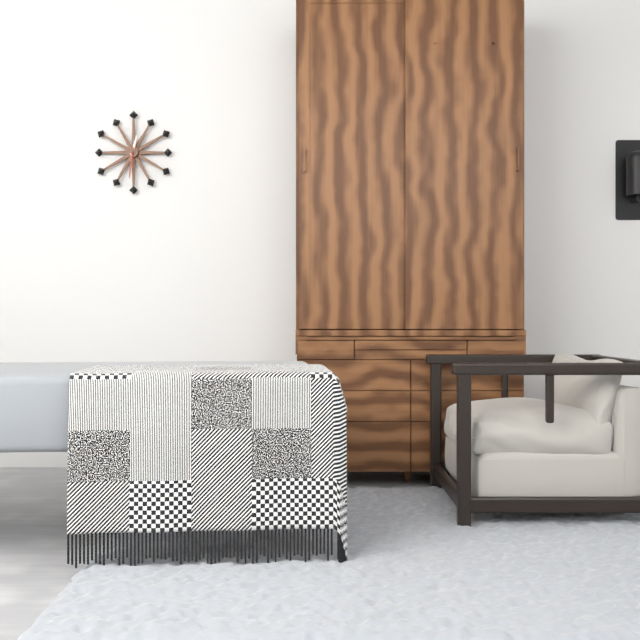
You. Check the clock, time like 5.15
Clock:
12.31
